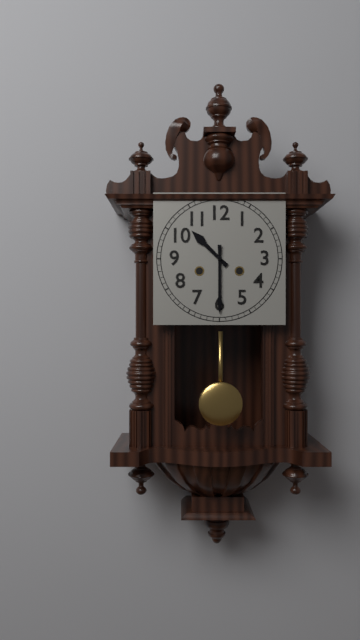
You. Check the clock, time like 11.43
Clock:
10.30
